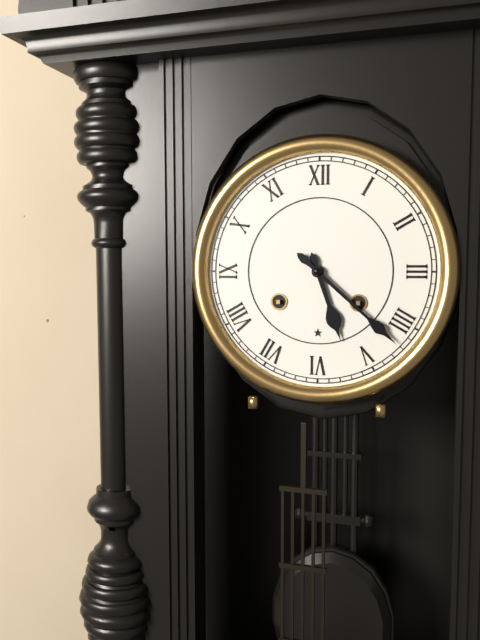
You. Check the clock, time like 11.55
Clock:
5.22
